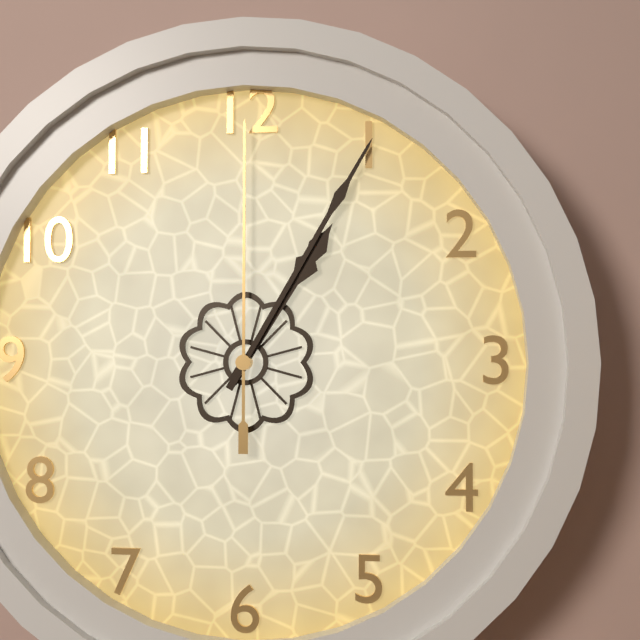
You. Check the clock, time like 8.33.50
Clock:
1.05.00
